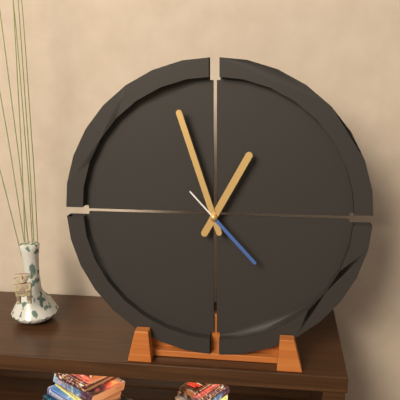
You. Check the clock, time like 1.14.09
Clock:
12.57.23
